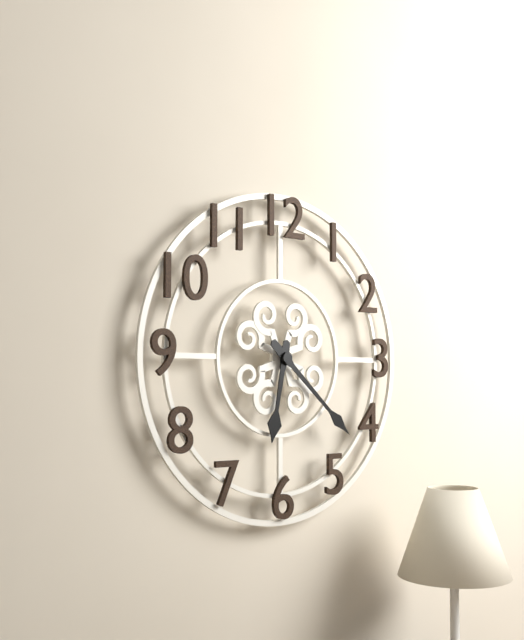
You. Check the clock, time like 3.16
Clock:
6.22
